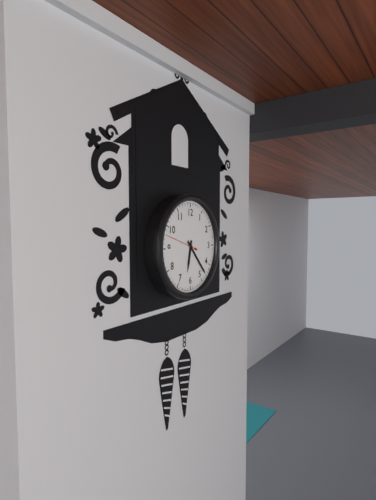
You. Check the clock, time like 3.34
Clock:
6.23
